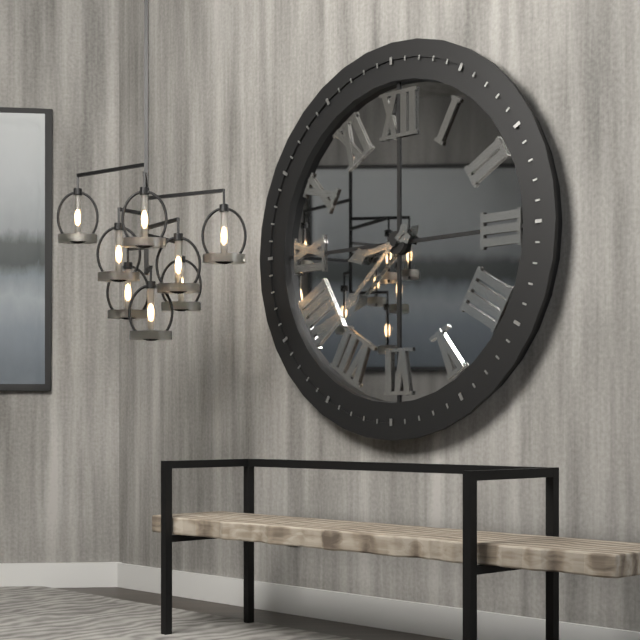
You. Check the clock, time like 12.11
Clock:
8.38
